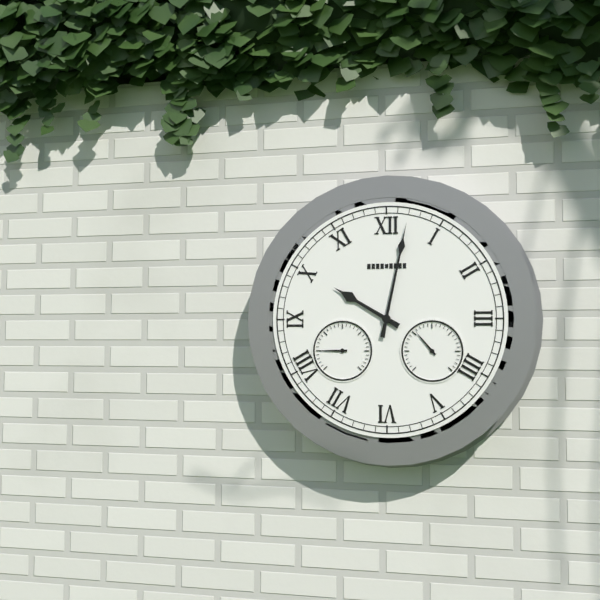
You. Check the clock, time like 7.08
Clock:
10.02
